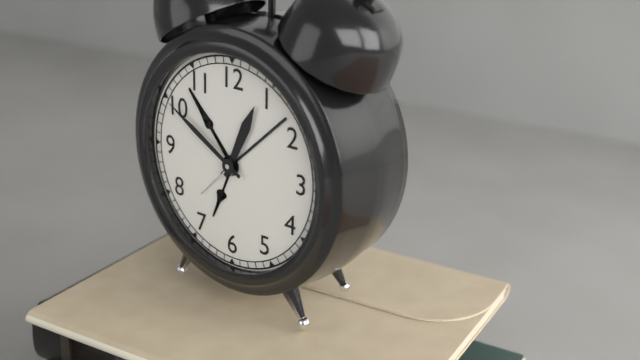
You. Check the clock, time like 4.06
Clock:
12.50
